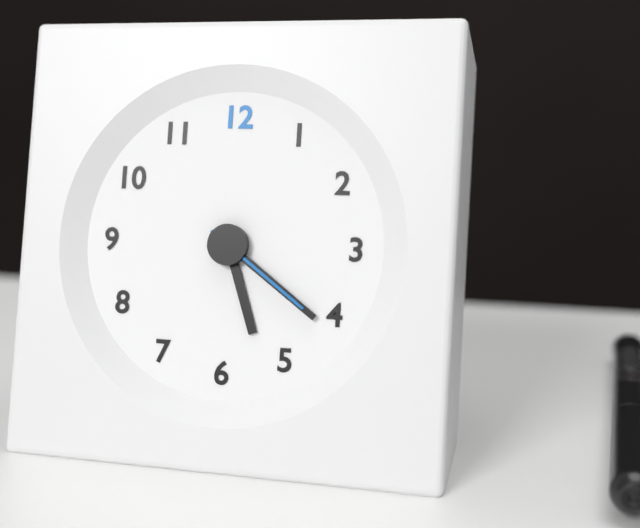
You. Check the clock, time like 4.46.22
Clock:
5.21.21
